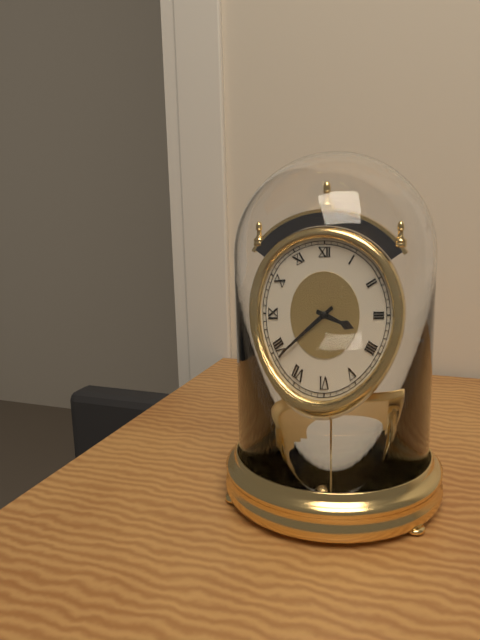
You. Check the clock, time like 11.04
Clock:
3.39
